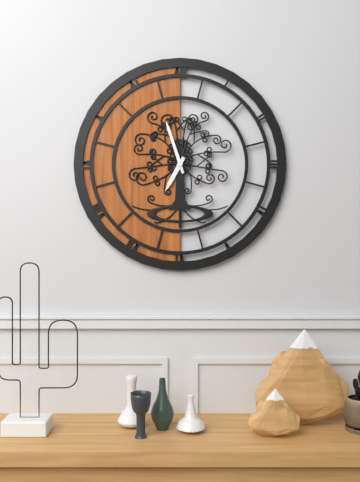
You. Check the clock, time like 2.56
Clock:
6.57
